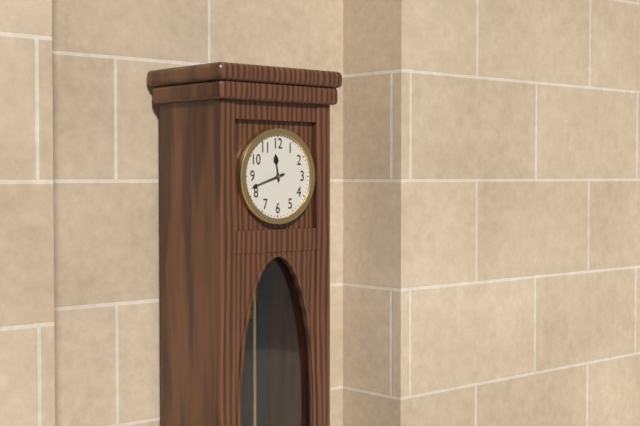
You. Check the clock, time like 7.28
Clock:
11.42
